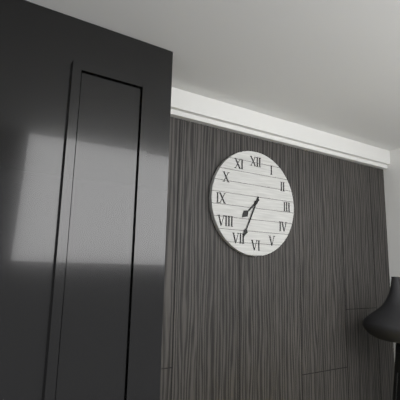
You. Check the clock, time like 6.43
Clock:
7.34
